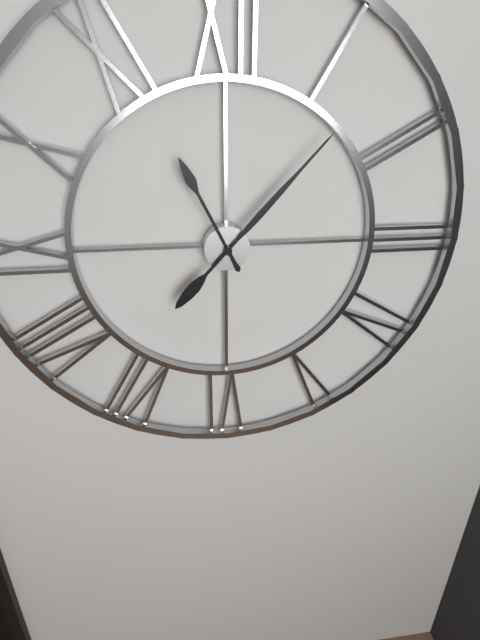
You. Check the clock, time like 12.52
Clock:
11.07
